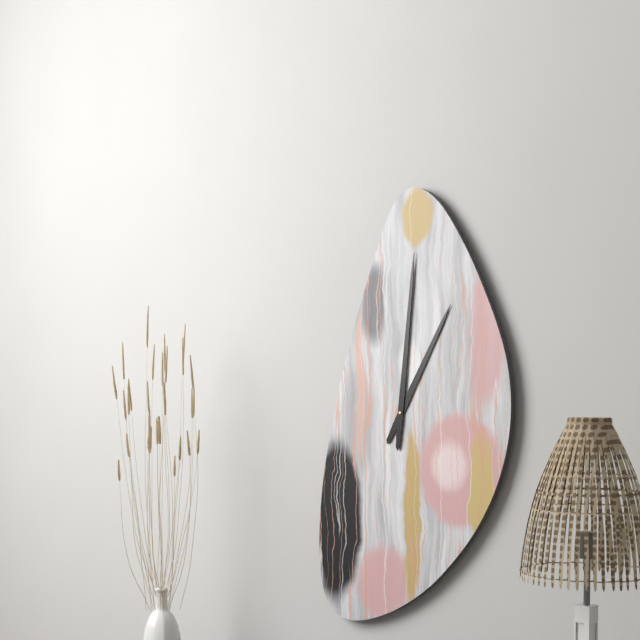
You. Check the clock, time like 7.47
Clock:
1.01
